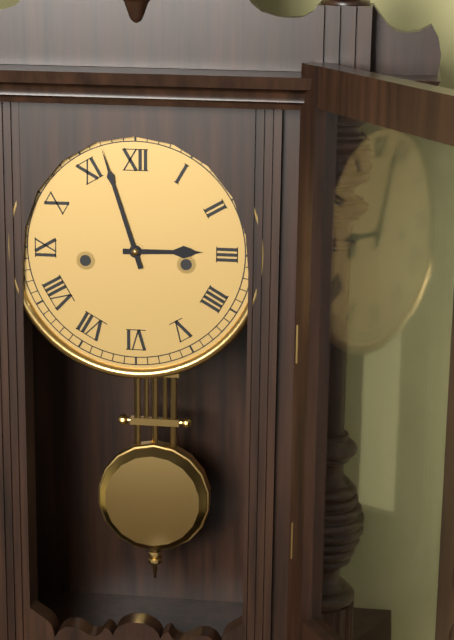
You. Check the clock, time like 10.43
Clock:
2.57
